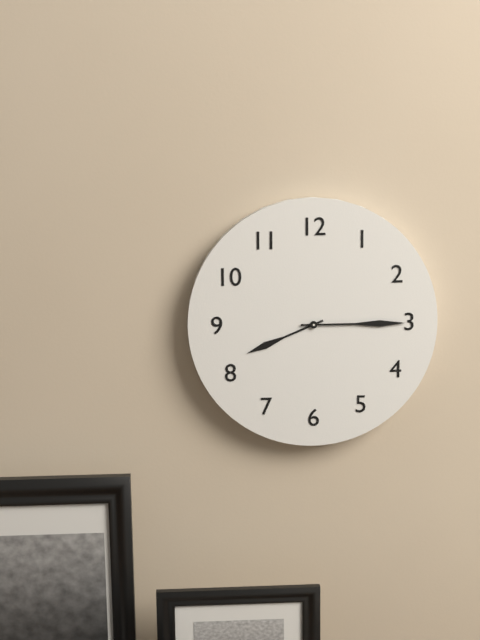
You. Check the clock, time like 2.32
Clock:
8.15
